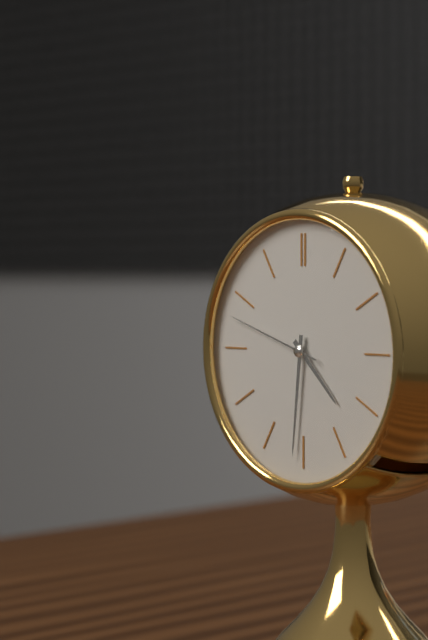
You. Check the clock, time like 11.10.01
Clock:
4.31.48
